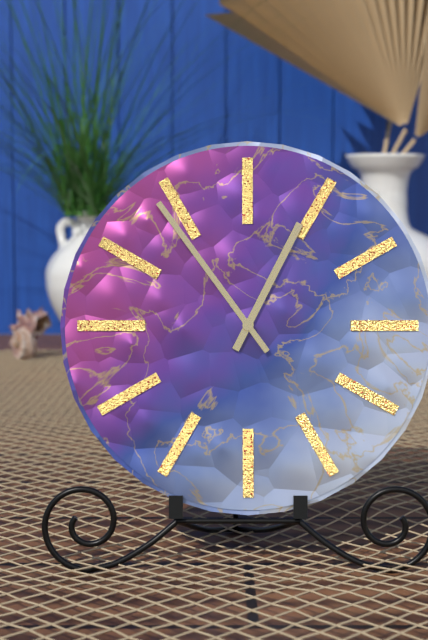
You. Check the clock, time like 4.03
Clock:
12.54
